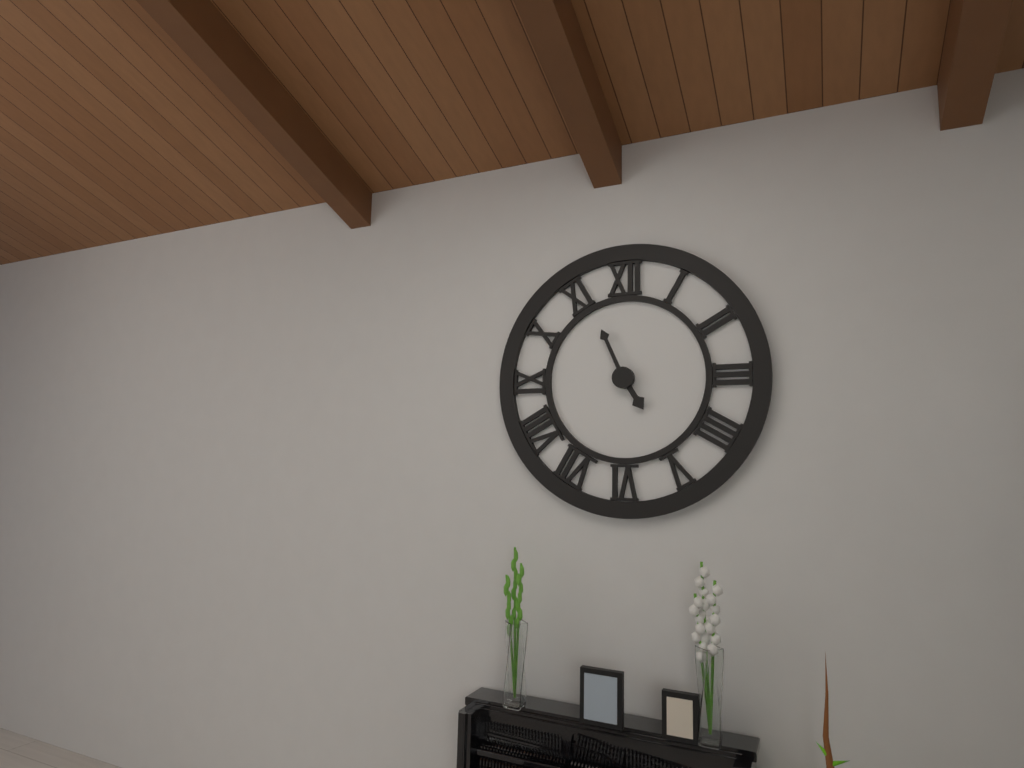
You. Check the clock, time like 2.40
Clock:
4.56
